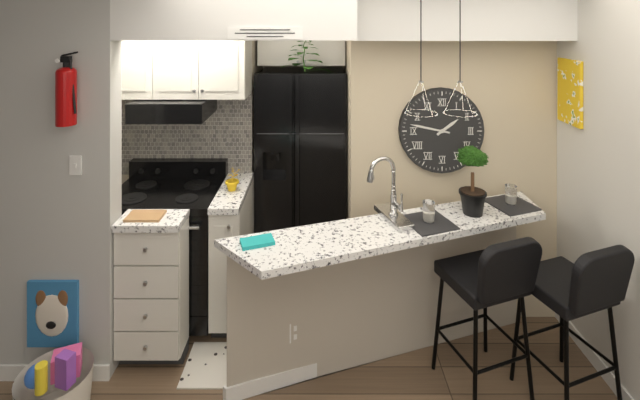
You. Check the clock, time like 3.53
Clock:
1.47
